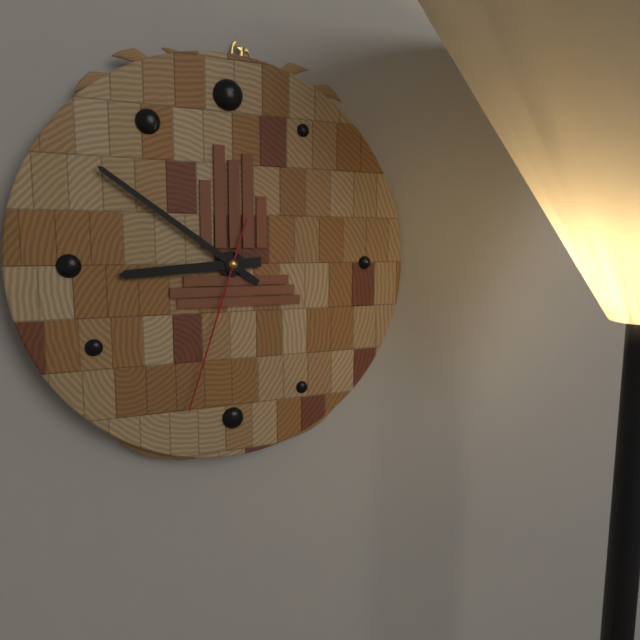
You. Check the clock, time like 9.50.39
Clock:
8.51.33
